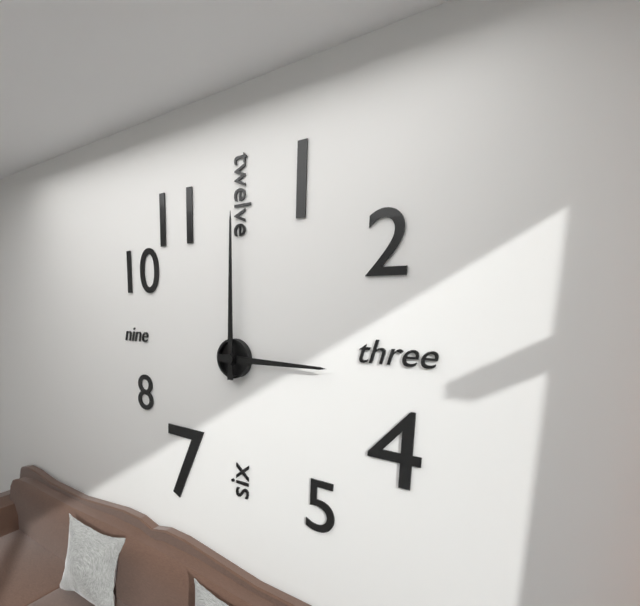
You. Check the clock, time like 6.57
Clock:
3.00
